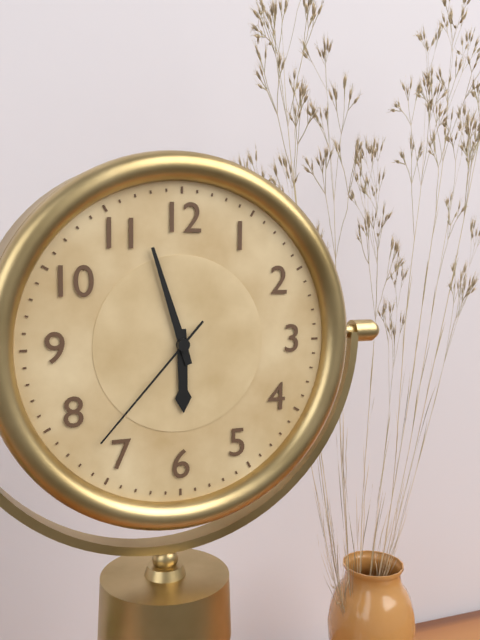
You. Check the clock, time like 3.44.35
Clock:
5.57.37
